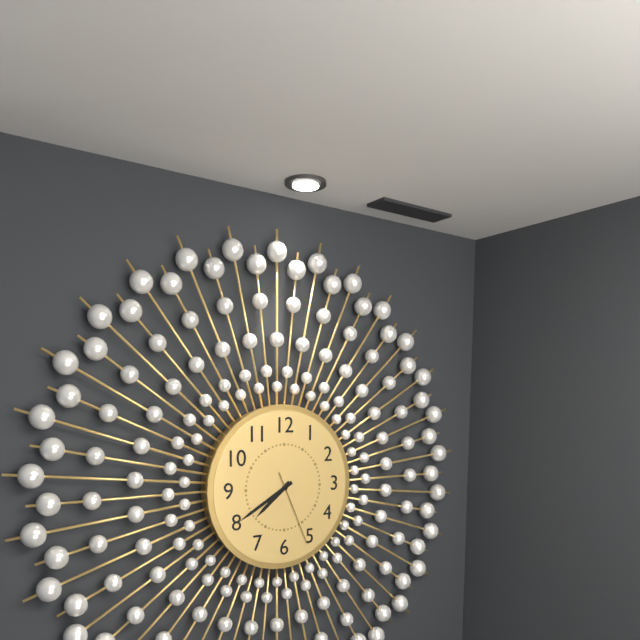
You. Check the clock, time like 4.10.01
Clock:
7.40.26
